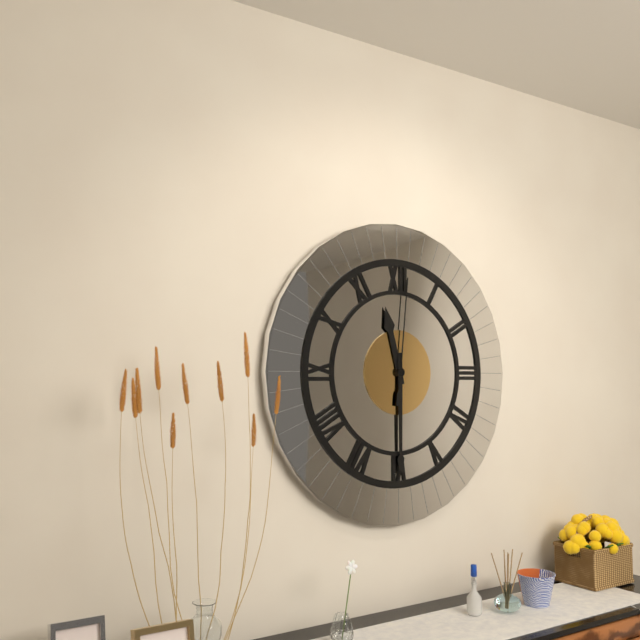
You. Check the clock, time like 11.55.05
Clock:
11.30.01
